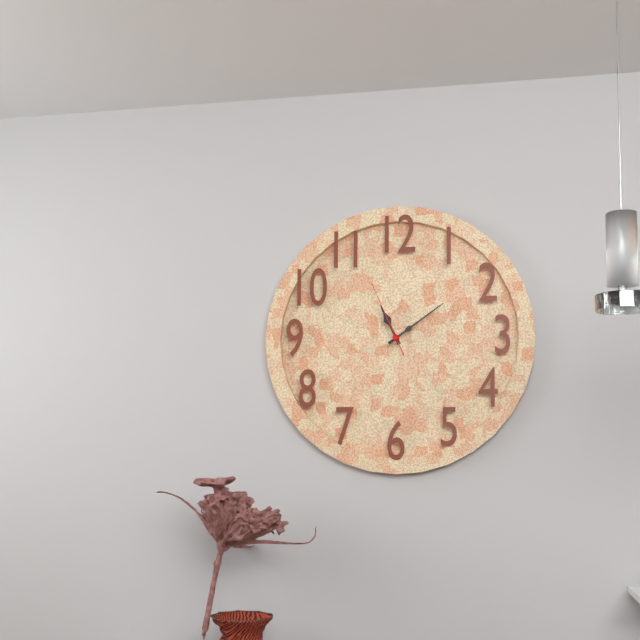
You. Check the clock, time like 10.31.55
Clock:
11.09.56
